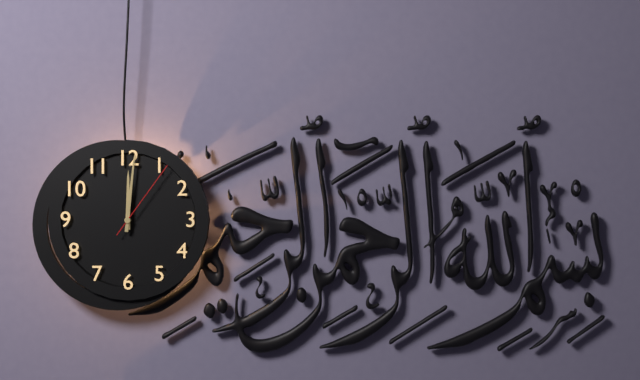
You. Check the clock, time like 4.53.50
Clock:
12.01.06
